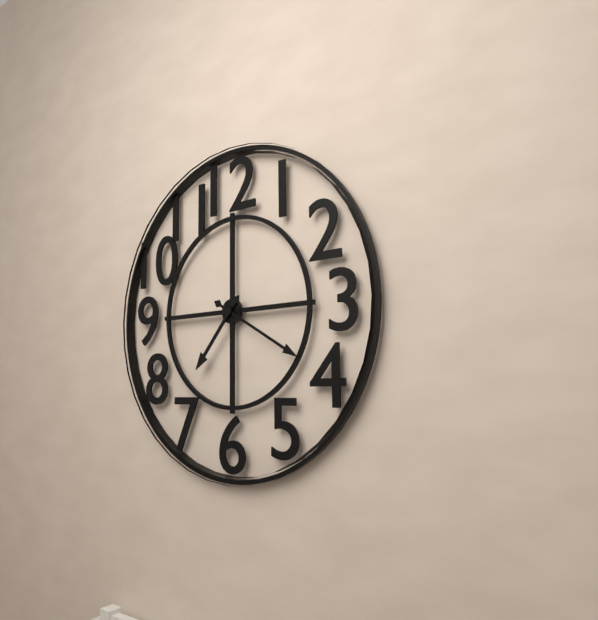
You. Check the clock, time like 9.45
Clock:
7.20
